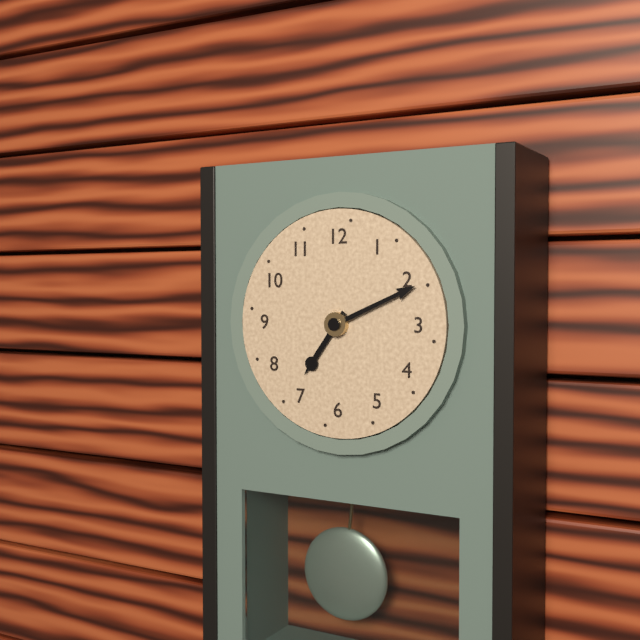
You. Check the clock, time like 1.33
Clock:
7.11
